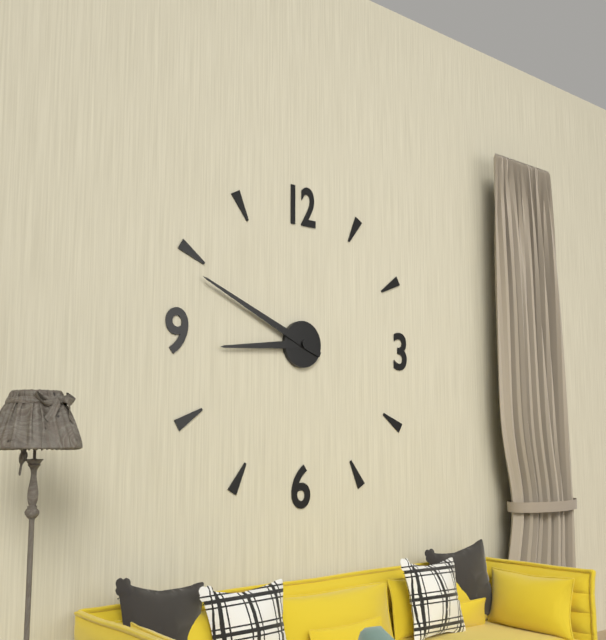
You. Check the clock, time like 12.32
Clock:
8.49
